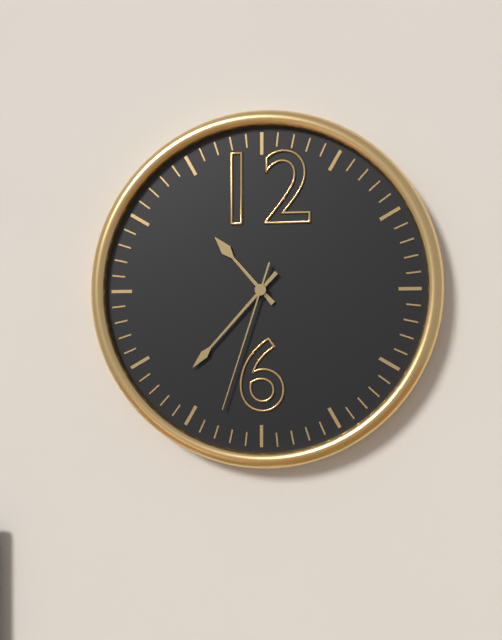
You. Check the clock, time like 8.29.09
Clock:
10.37.33
